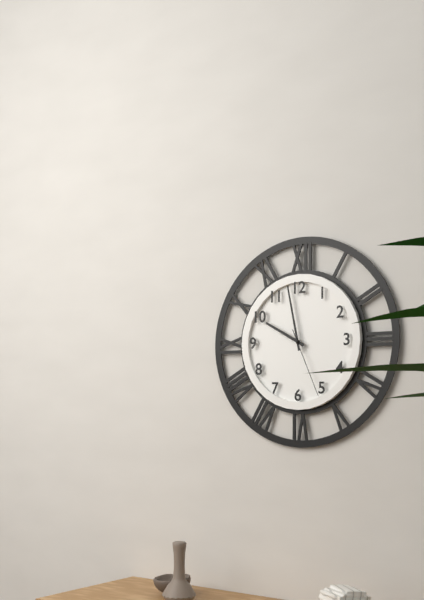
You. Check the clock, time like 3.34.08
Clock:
9.58.26
